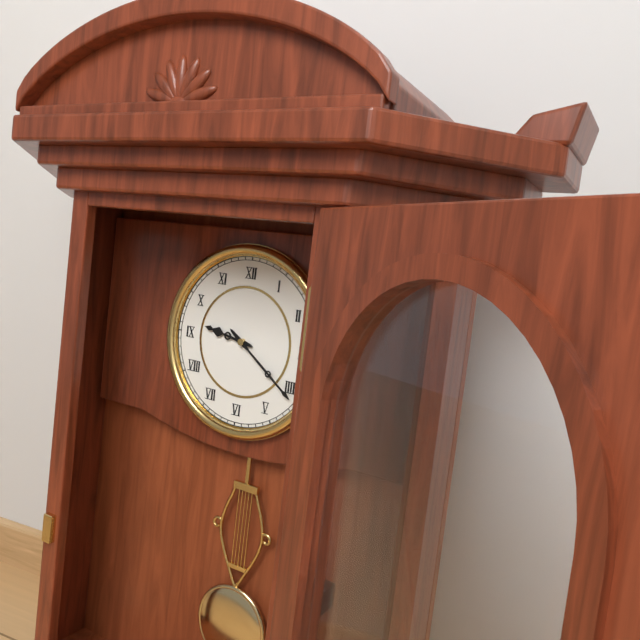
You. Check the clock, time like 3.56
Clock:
9.21
